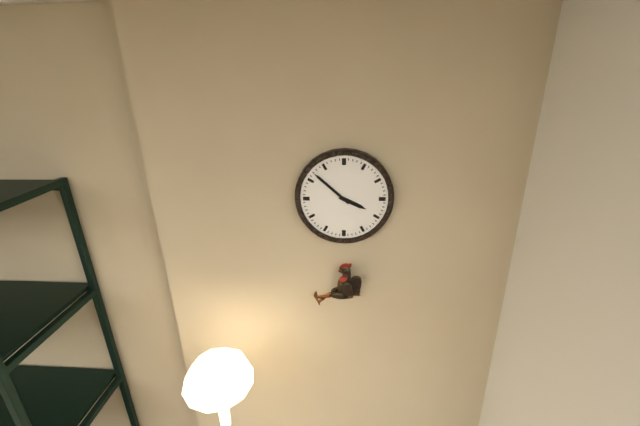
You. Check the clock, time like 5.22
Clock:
3.52
